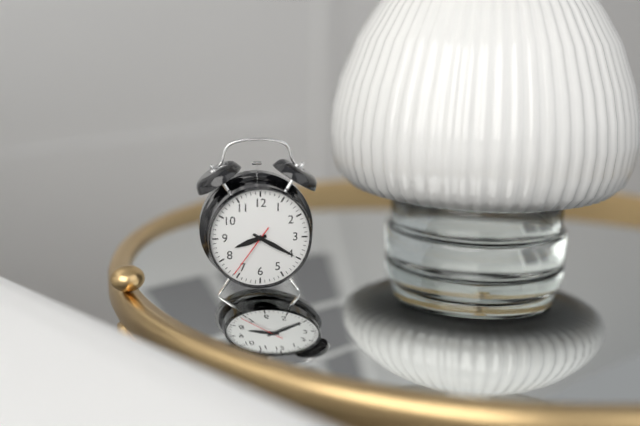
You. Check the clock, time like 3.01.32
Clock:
8.20.36
